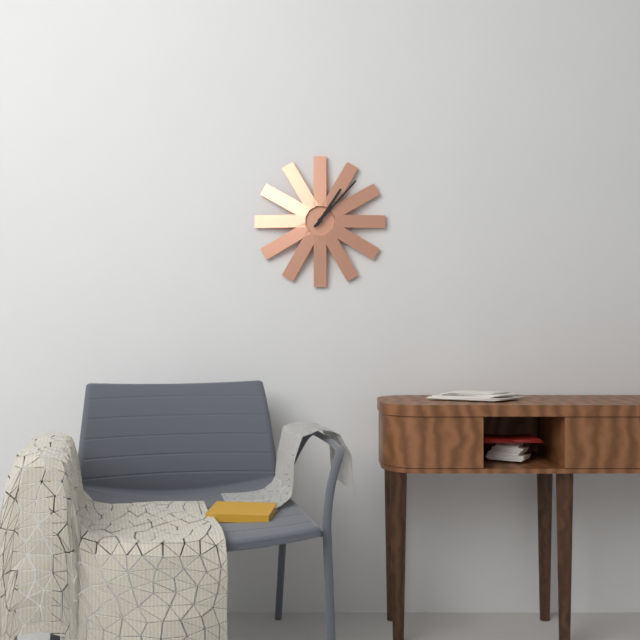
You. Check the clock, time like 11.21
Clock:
1.07
